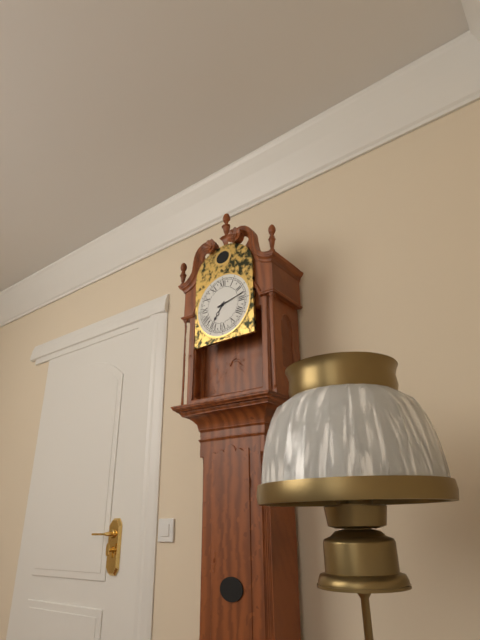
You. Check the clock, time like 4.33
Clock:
7.13
